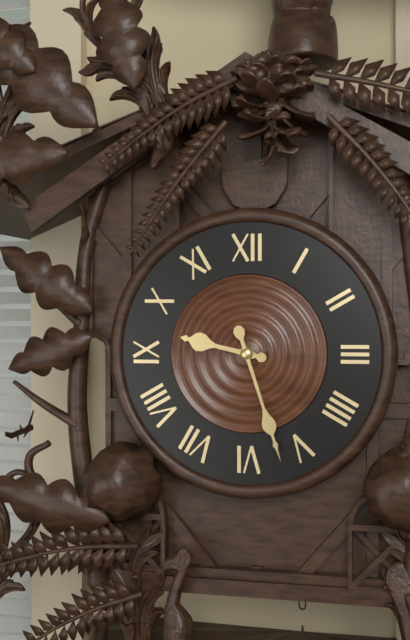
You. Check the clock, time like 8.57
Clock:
9.27
